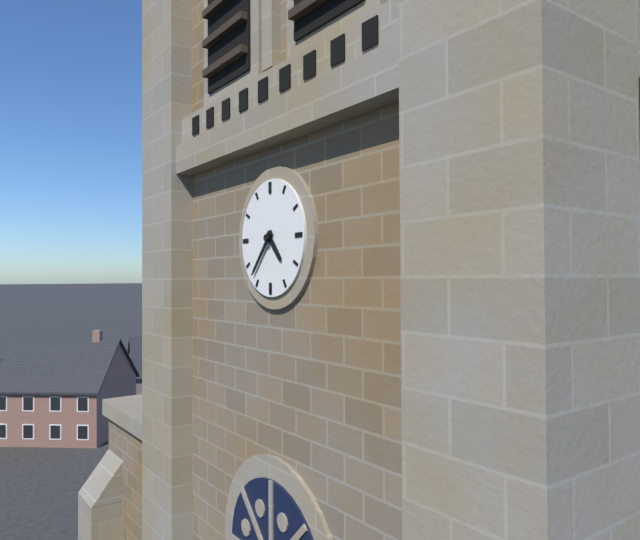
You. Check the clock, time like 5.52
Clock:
4.37
